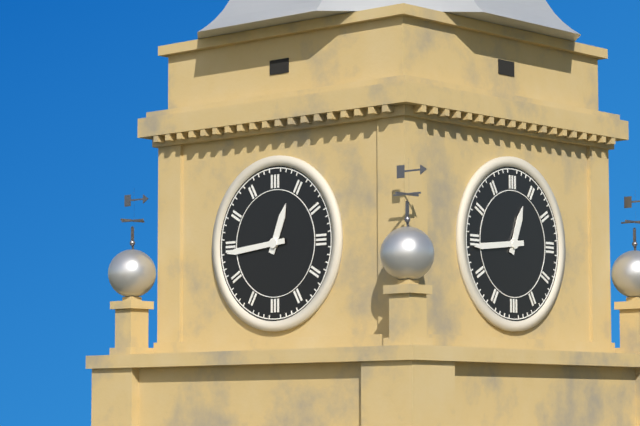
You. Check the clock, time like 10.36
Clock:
12.44
